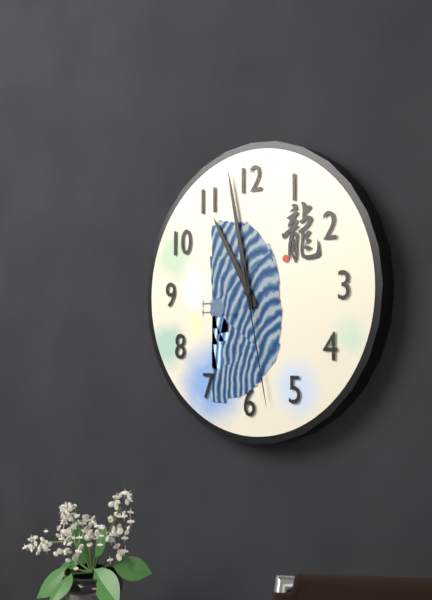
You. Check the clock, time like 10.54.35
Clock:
10.58.28
